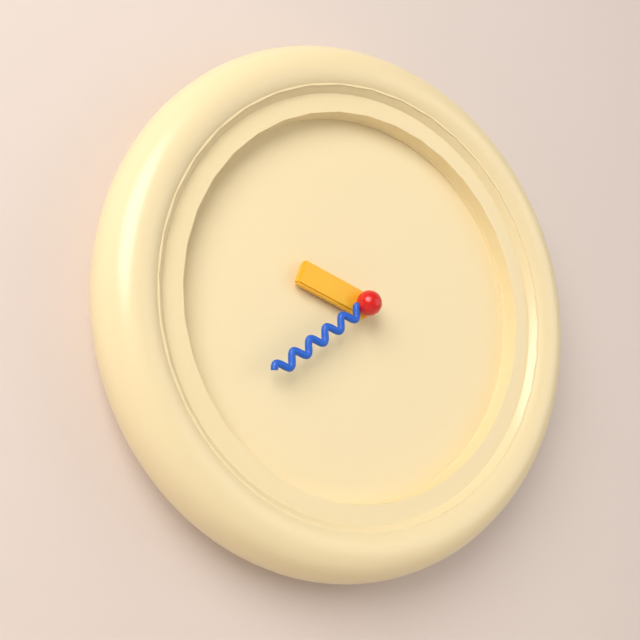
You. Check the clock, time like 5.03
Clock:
9.39
